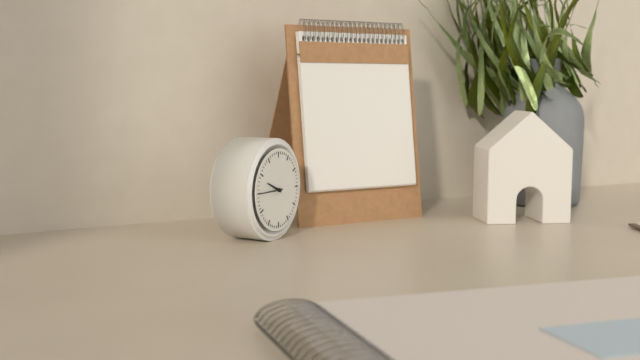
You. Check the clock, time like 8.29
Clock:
9.45
